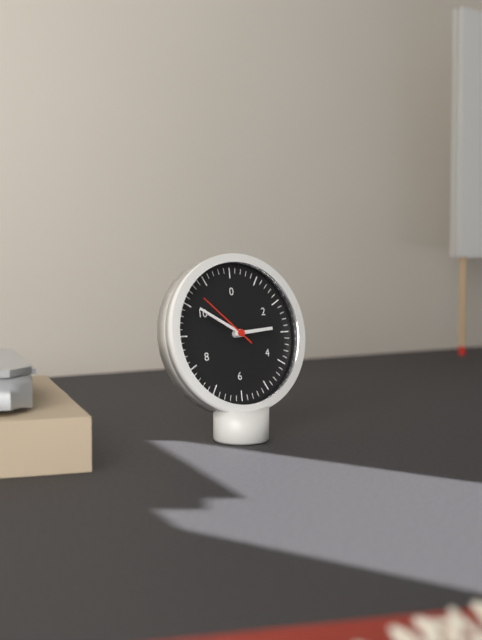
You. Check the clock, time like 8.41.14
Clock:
2.50.52
